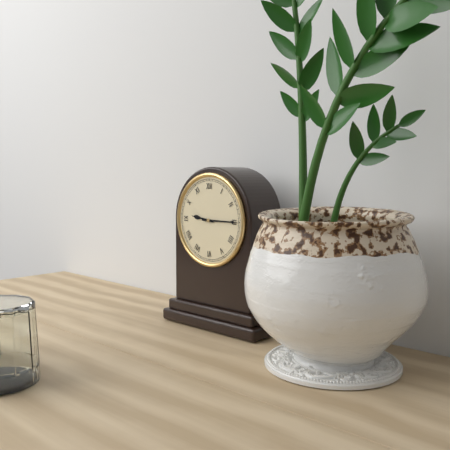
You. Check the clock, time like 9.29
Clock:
9.15
